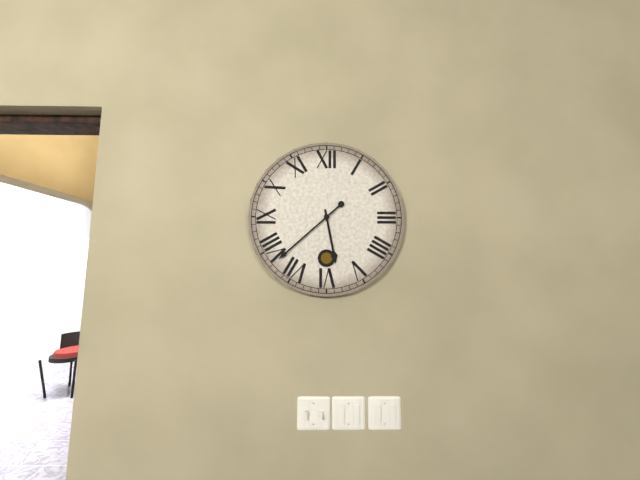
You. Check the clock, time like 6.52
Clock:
5.38
